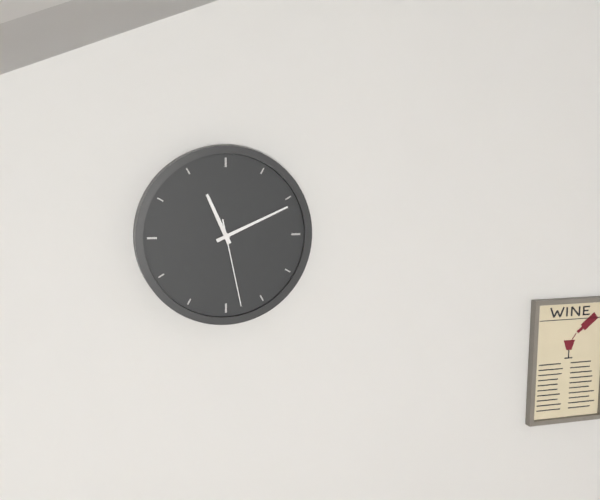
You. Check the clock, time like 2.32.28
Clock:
11.11.28
